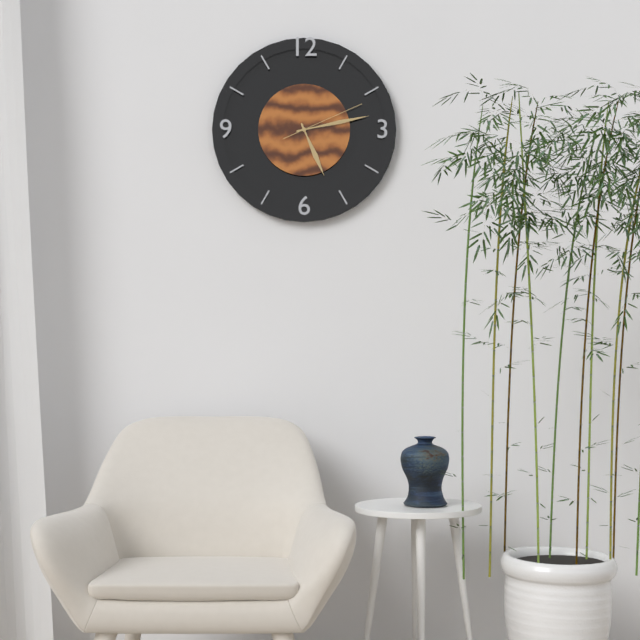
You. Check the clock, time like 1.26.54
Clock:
5.13.11
